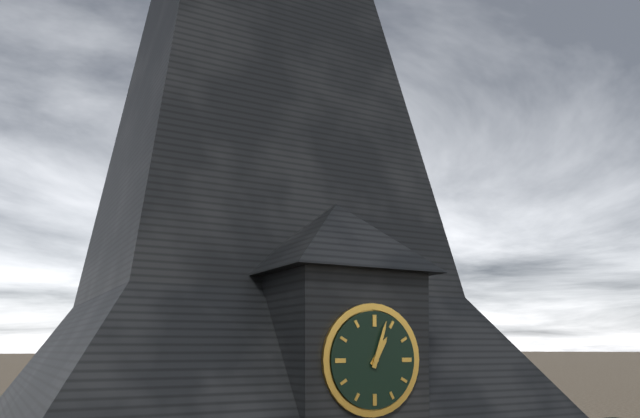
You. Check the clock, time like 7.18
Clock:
1.03
